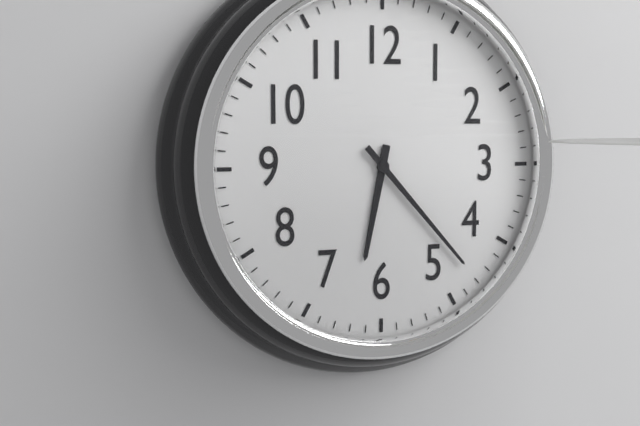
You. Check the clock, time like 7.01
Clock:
6.23
